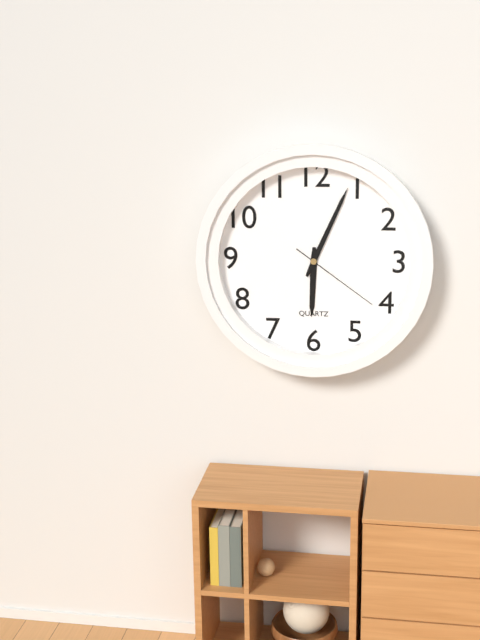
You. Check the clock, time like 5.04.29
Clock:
6.04.21
